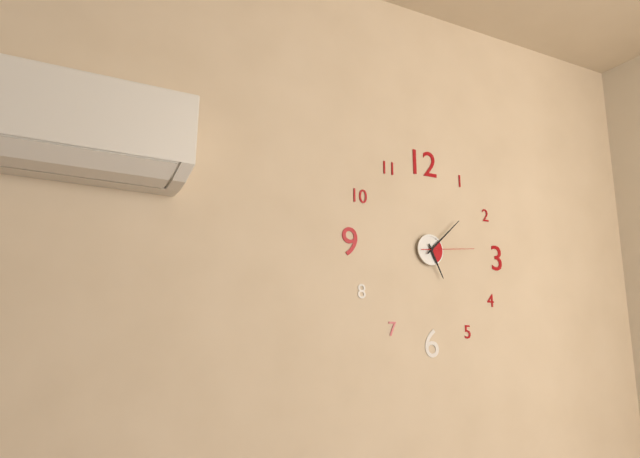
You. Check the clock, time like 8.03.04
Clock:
5.08.14
